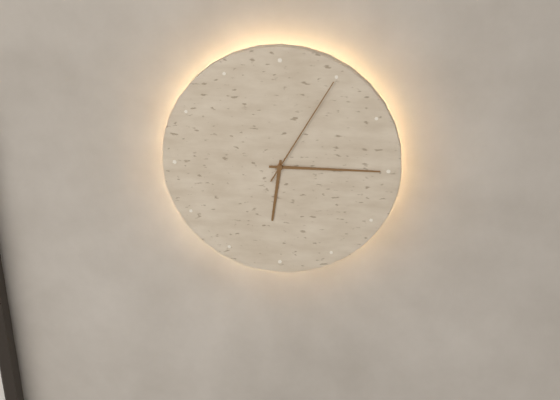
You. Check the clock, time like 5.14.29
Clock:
6.15.05
